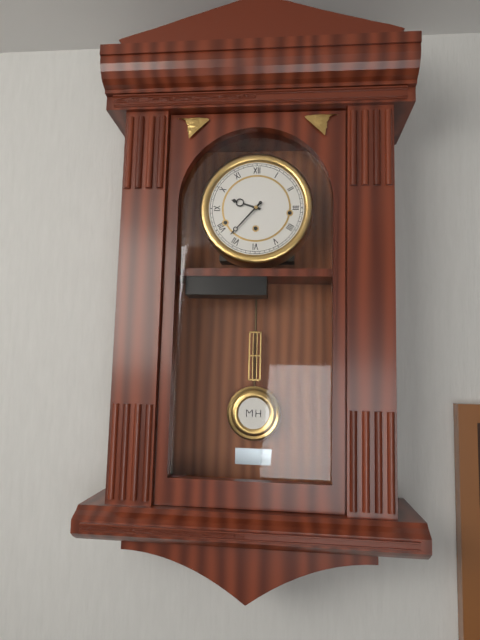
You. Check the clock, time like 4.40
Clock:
9.37
